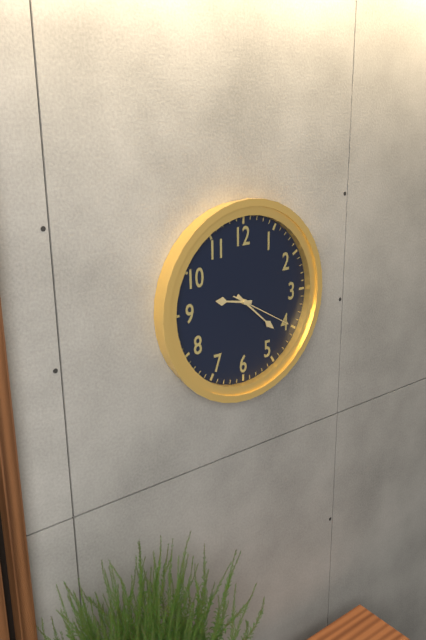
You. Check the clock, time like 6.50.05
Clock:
9.22.20
